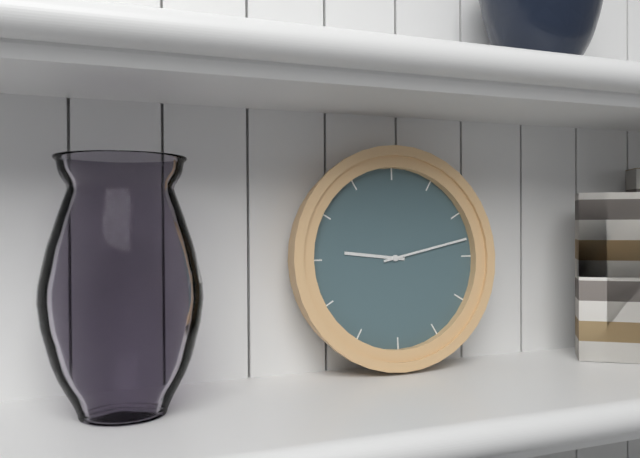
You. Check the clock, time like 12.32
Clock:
9.13
